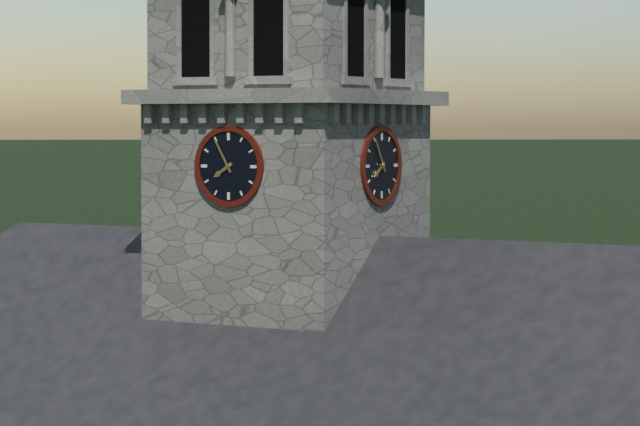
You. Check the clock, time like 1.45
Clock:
7.55
